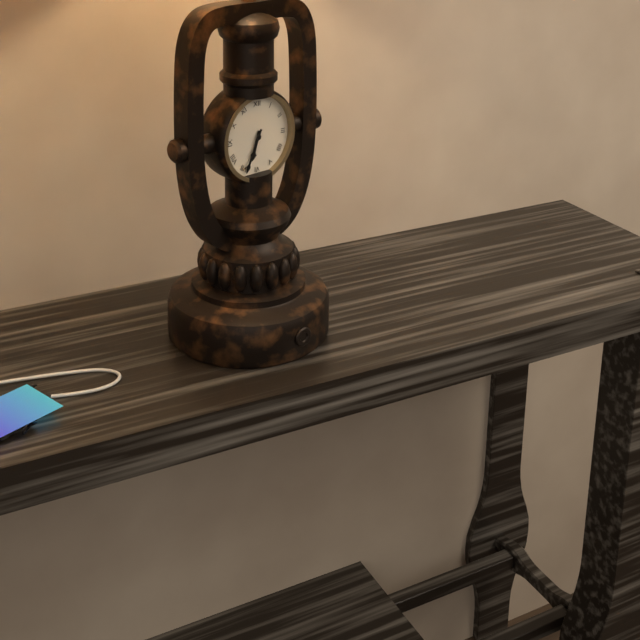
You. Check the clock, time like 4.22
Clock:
6.34
